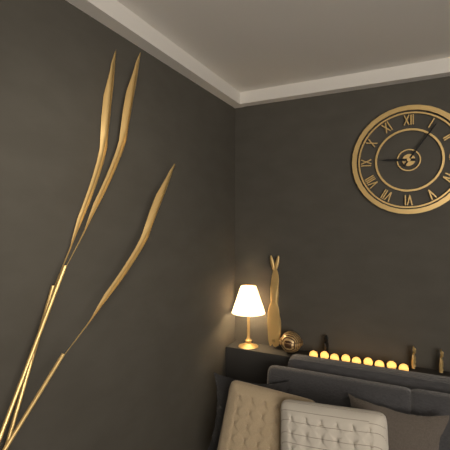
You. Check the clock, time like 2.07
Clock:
9.06
